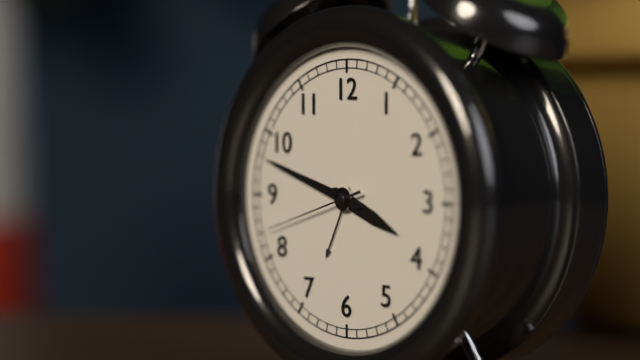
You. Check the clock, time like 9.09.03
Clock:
3.48.42
